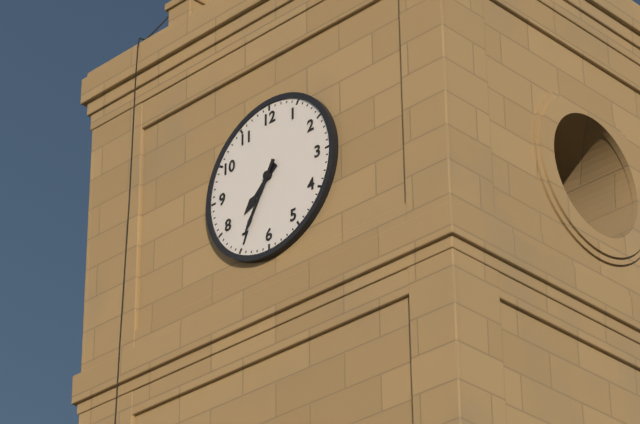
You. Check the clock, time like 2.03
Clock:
7.35
